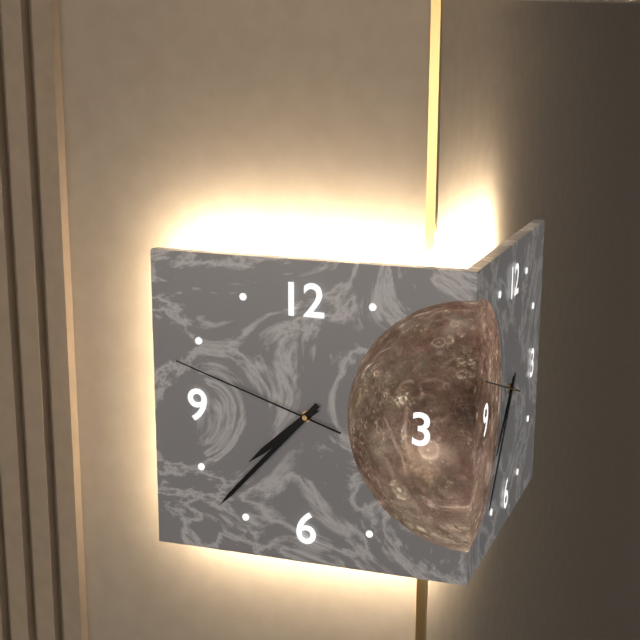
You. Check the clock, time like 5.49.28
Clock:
7.37.48
